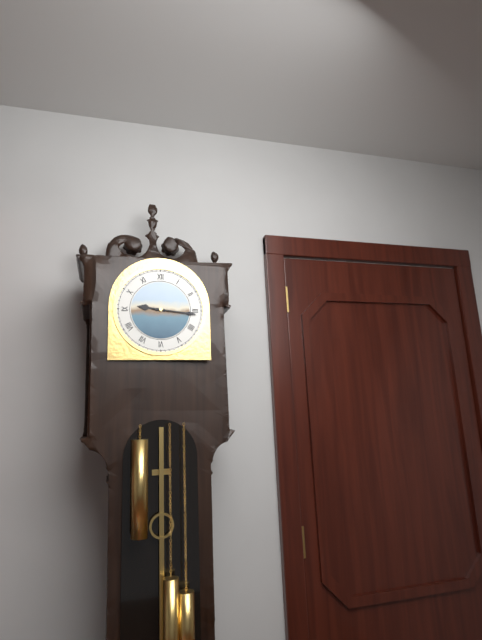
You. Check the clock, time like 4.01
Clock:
9.16
